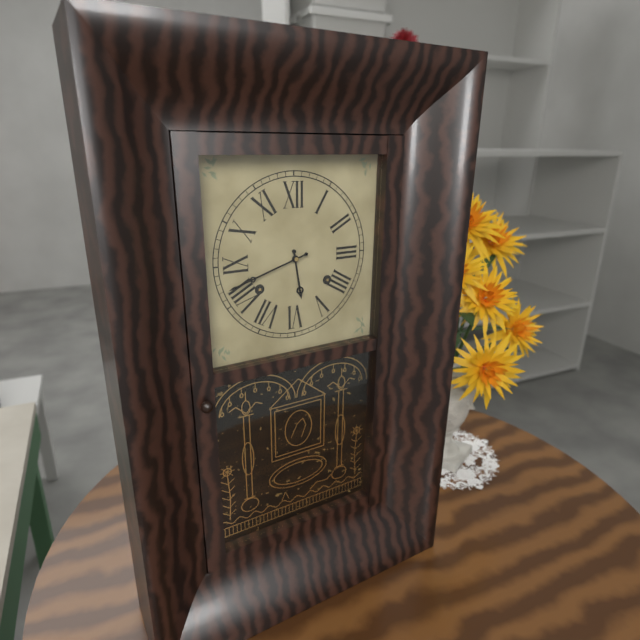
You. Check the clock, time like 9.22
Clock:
5.42
